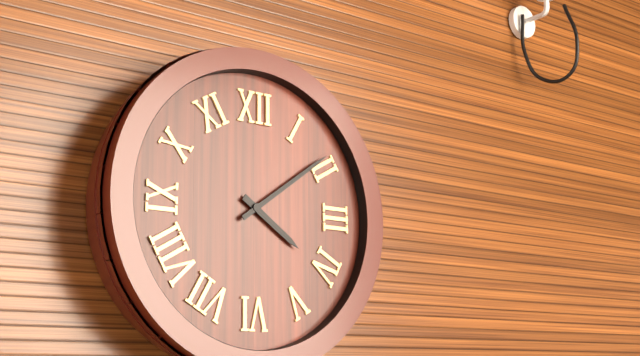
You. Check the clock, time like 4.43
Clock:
4.09
